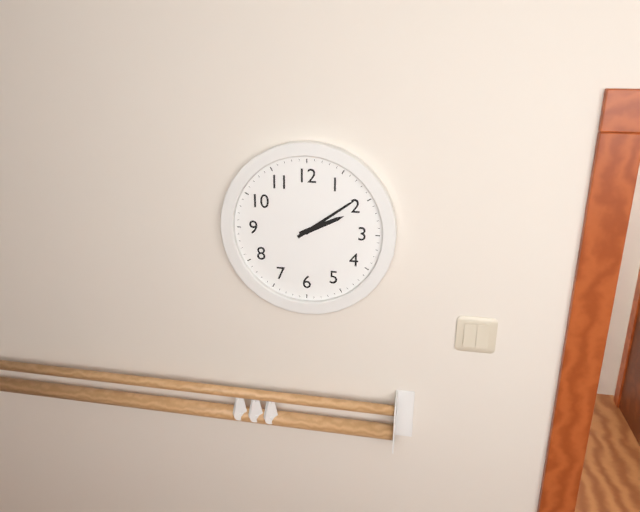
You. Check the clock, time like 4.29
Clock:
2.09
